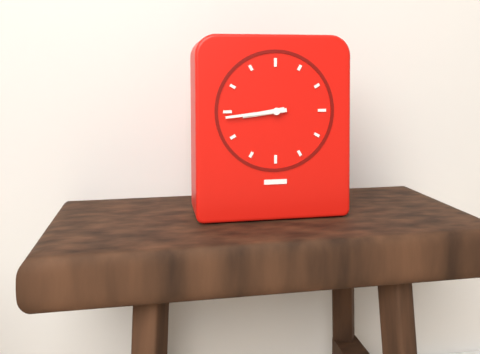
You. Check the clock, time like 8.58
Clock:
8.44
